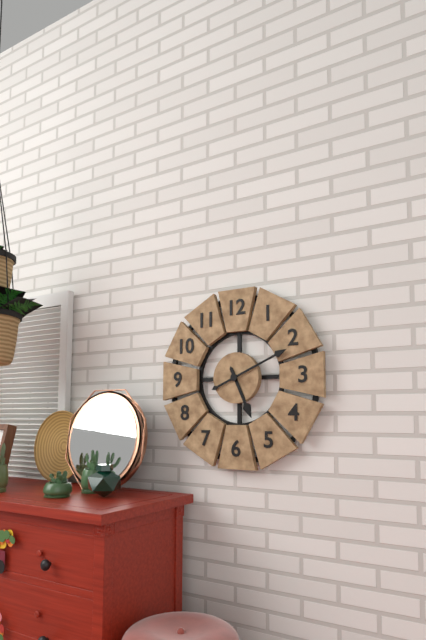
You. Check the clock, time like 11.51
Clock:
5.11
